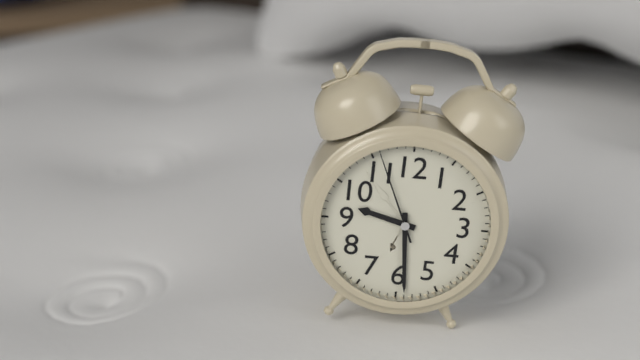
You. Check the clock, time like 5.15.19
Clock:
9.29.56
